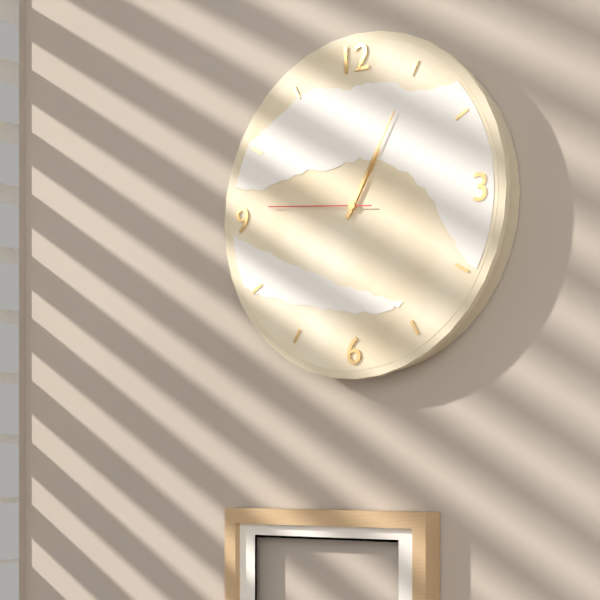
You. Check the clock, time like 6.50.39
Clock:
1.05.46
